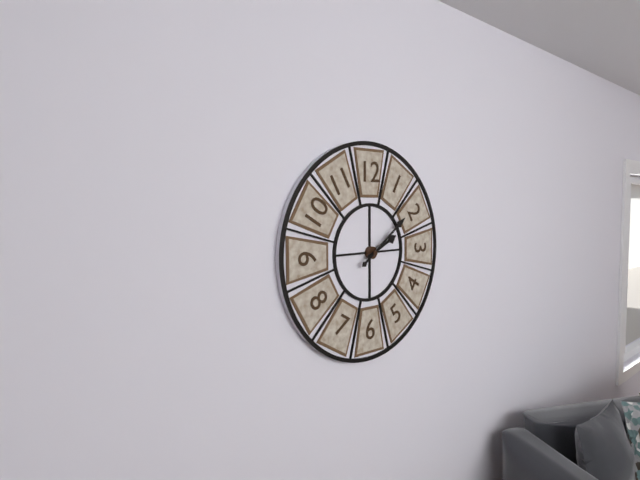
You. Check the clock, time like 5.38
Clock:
2.09
